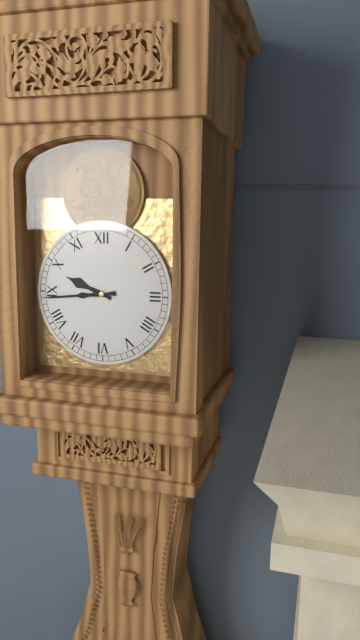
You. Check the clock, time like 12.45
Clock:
9.44
